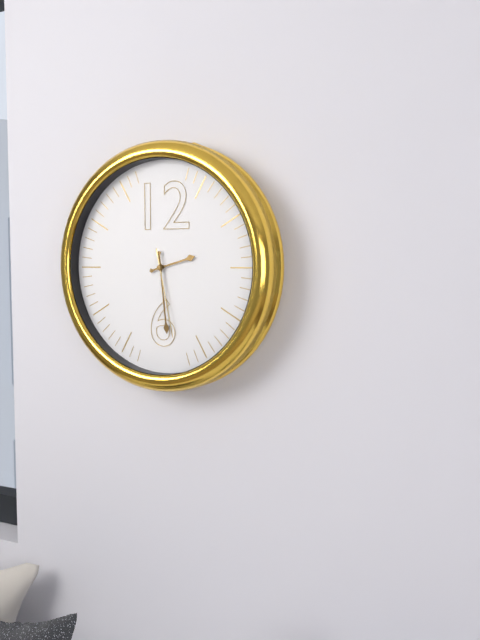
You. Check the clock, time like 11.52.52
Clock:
2.29.28
